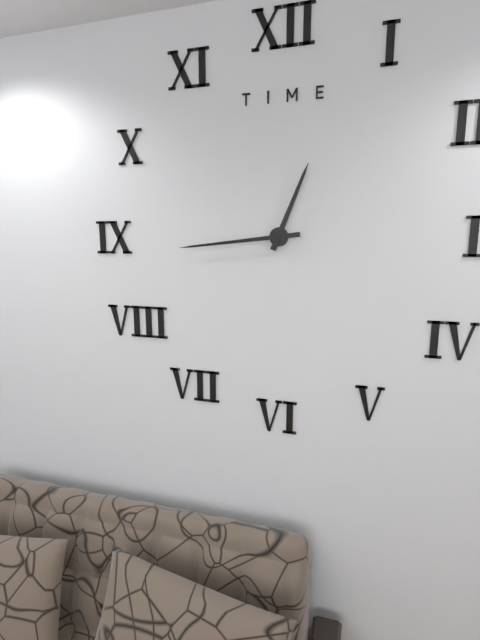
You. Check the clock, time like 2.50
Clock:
12.44
